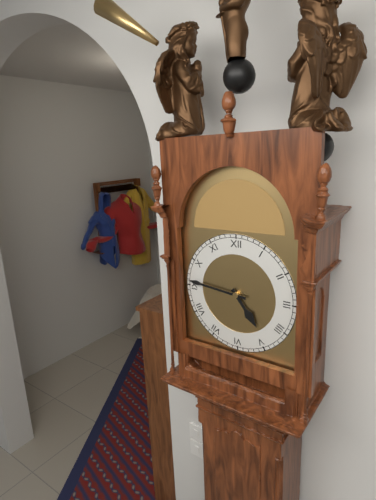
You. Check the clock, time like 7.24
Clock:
4.46
